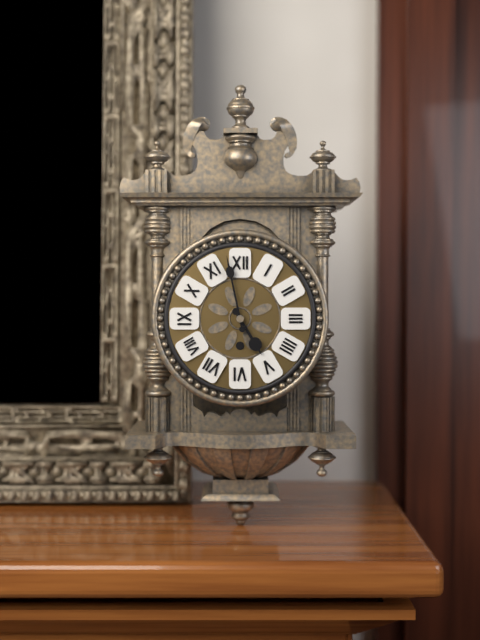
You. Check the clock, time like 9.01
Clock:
4.58
